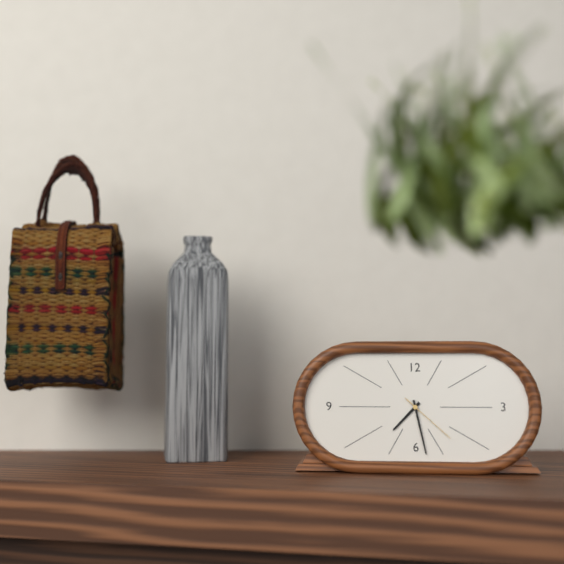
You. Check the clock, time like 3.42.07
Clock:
7.28.22
